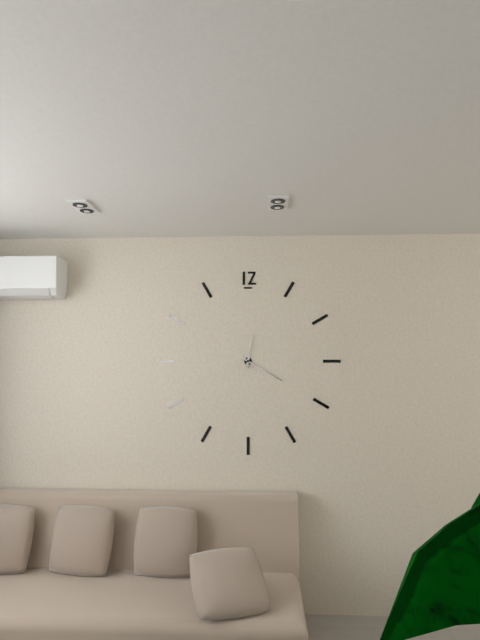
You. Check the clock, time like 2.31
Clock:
12.20
